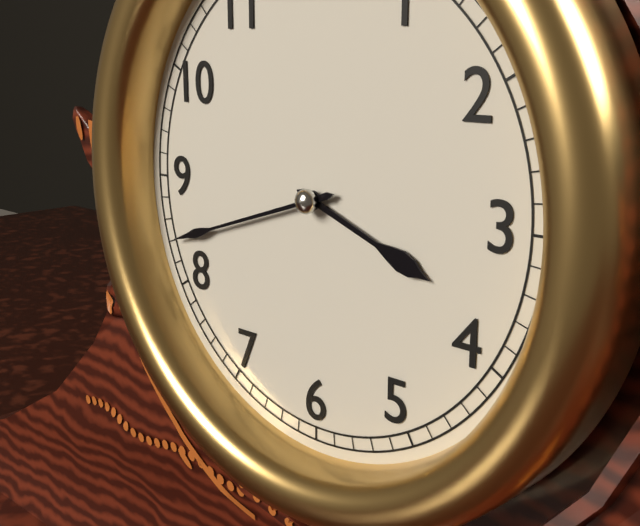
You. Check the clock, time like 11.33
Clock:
3.42
